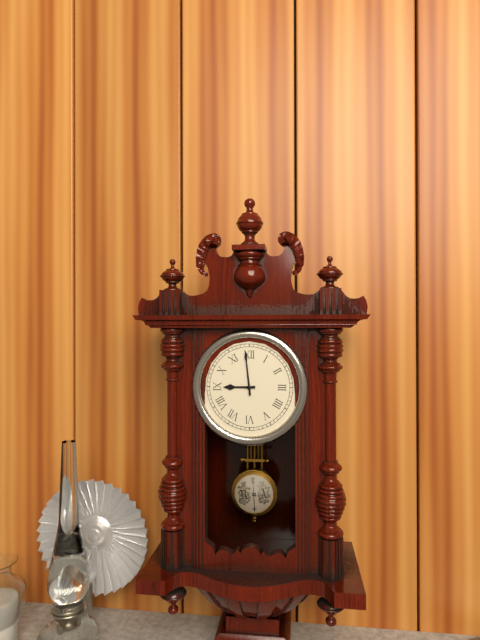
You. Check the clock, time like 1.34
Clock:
8.59
